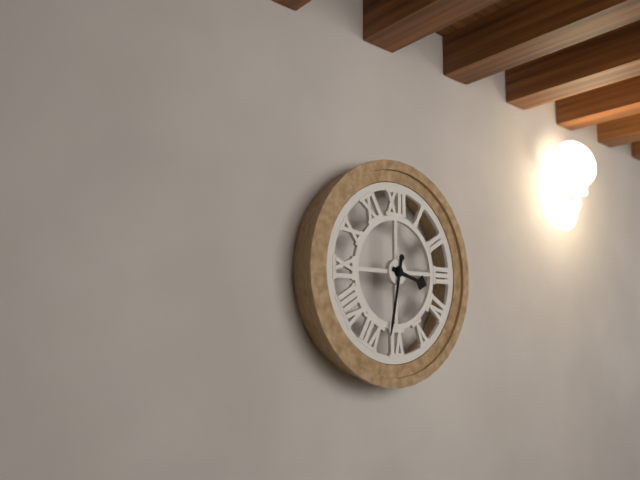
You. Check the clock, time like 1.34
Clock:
3.32
